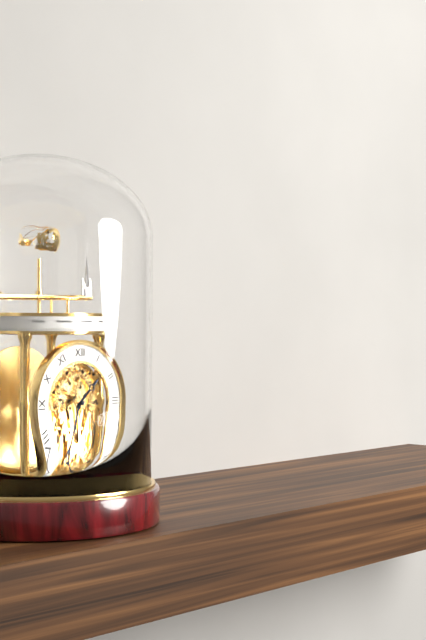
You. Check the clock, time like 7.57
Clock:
1.35
